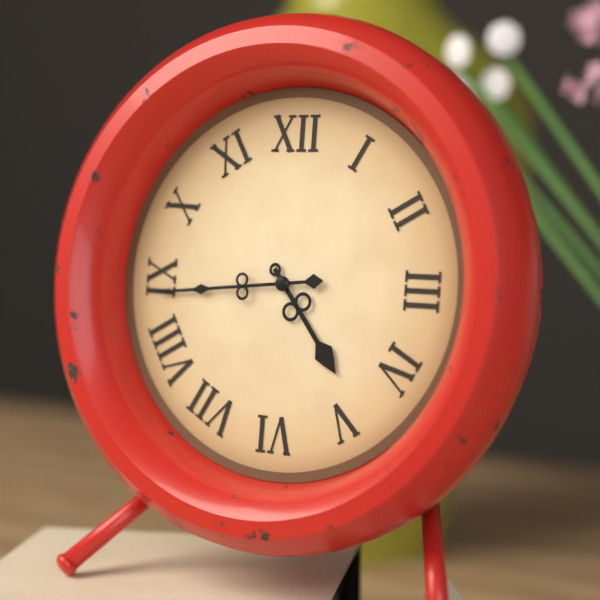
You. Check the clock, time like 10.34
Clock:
4.44
